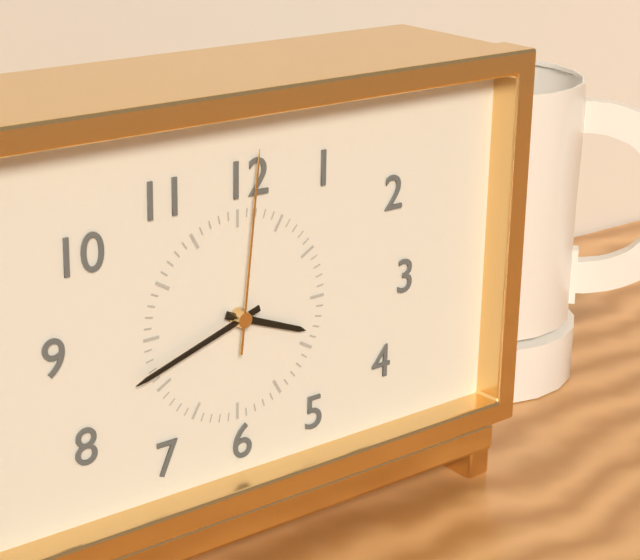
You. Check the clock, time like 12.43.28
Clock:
3.42.01
